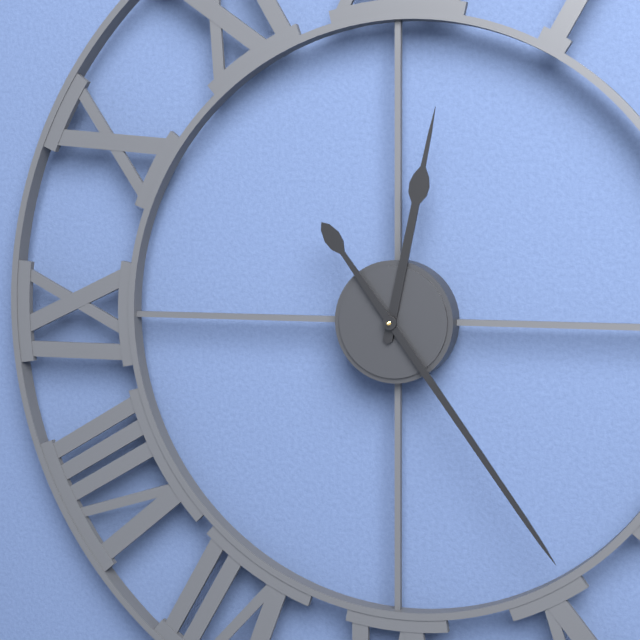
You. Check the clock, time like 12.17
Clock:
12.24
